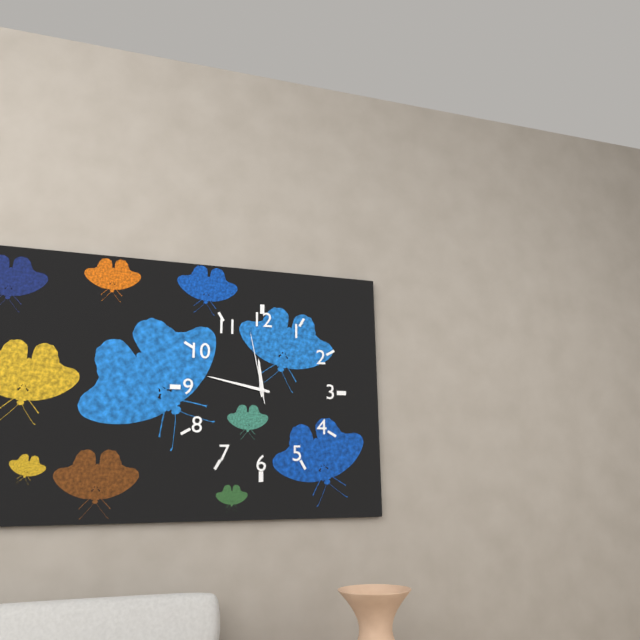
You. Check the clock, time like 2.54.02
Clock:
11.47.58
